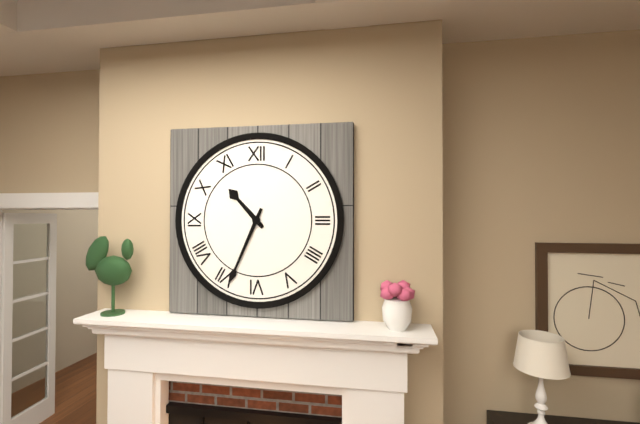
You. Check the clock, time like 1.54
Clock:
10.34
